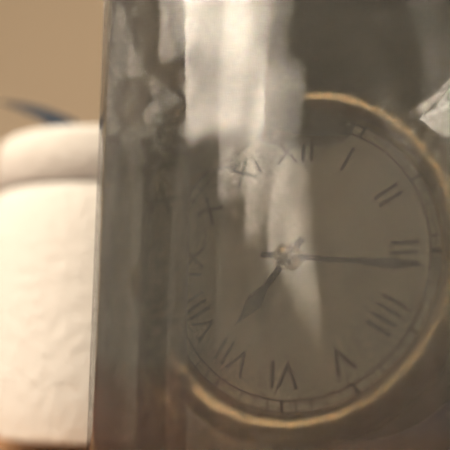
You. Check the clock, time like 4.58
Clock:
7.16
